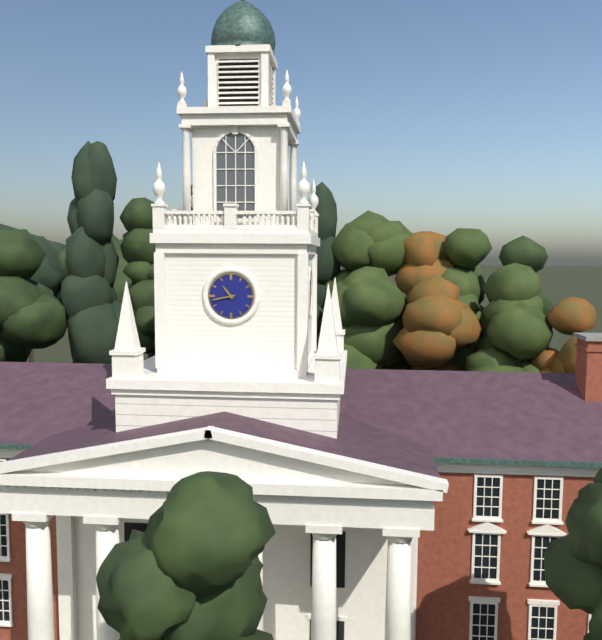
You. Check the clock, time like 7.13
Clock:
10.43
